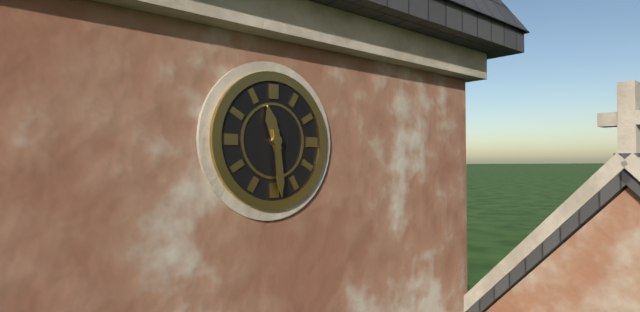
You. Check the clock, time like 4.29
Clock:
11.29
